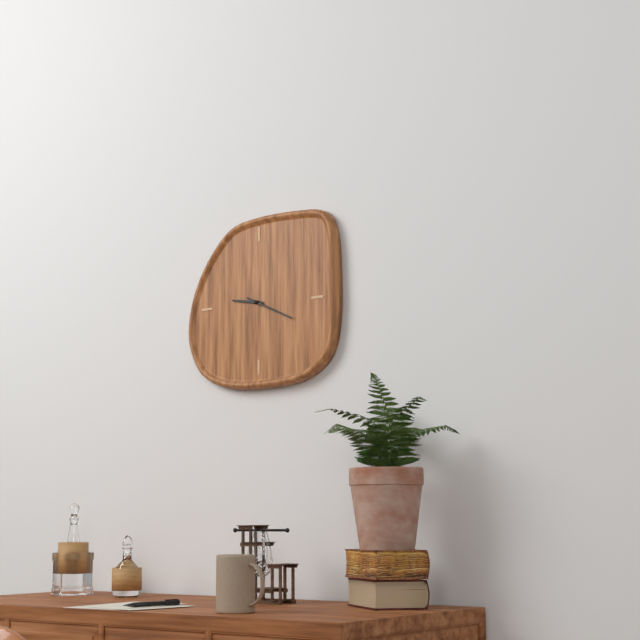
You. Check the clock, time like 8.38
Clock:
9.19
